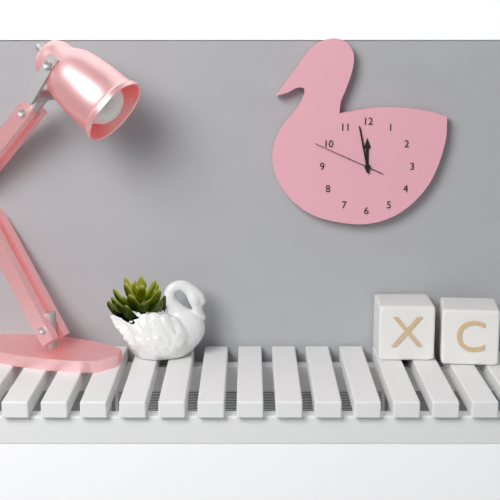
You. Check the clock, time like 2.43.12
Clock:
11.58.49
